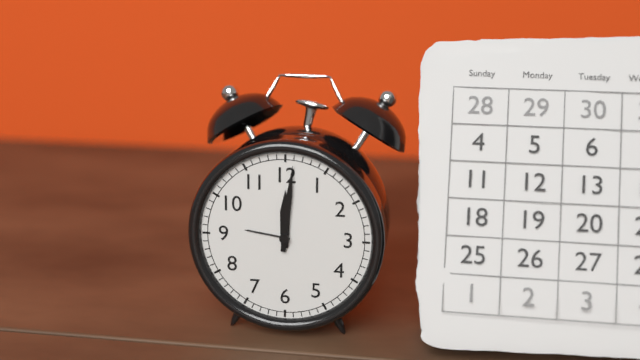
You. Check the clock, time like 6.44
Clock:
12.01
